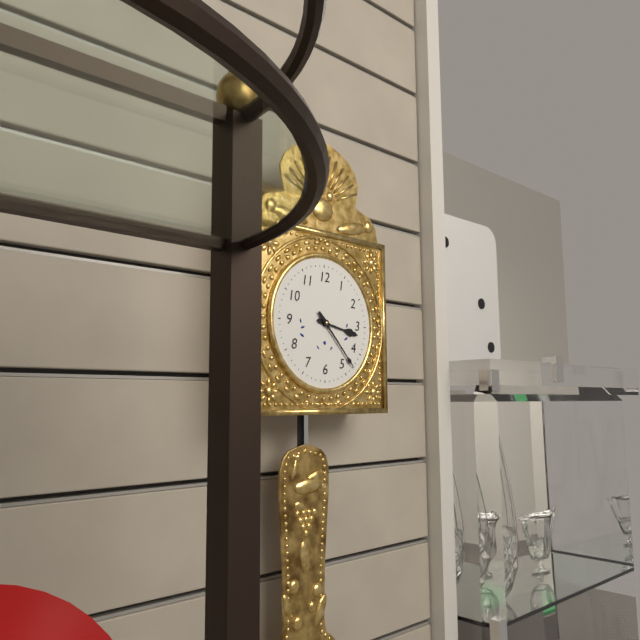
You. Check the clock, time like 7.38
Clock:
3.23
